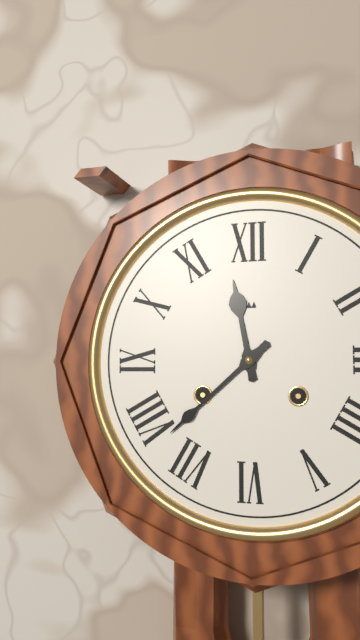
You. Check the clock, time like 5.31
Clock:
11.38
